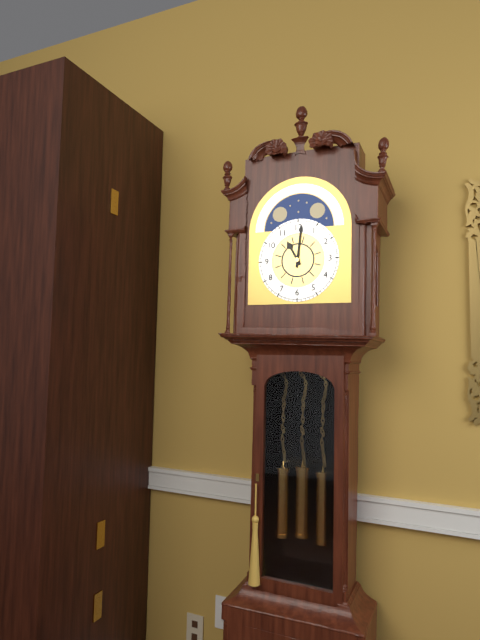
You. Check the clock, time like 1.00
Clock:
11.01
